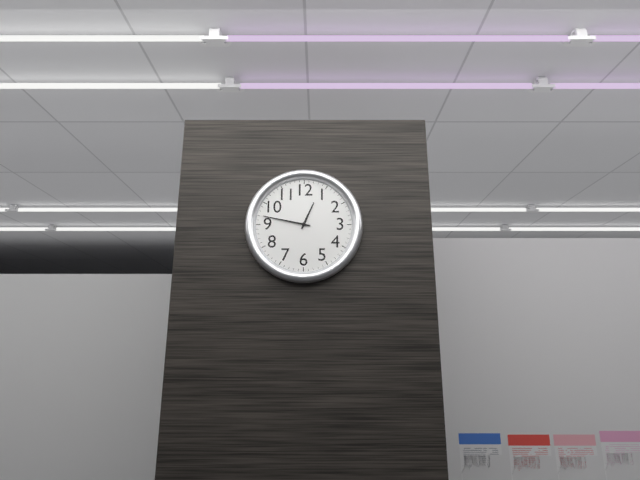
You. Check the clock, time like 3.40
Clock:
12.47
